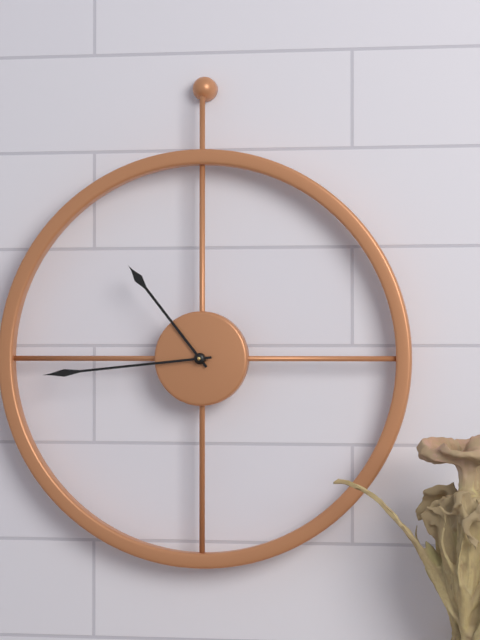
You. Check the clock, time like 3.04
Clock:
10.44
